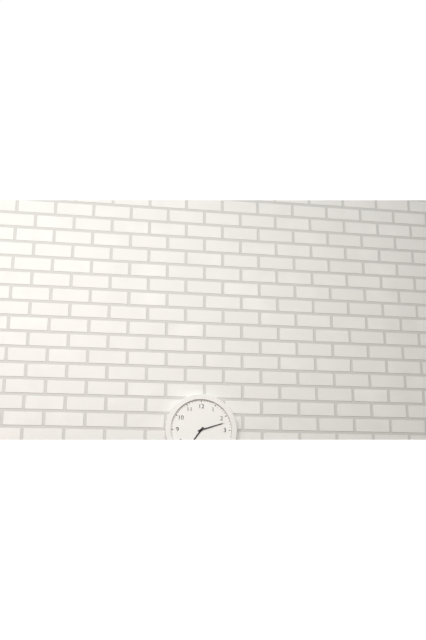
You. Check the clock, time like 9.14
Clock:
7.12
